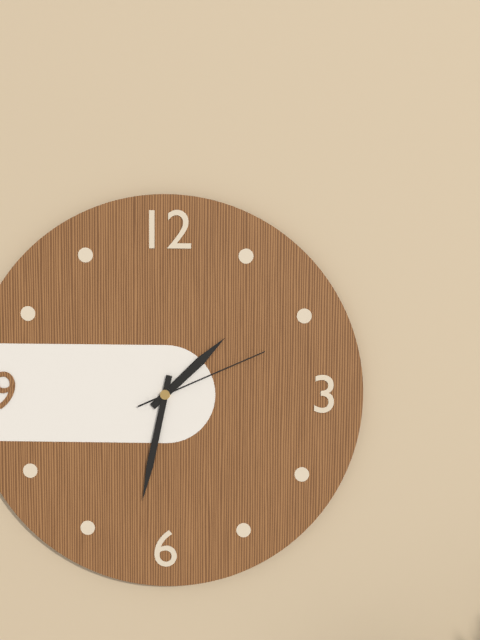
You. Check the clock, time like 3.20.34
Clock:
1.32.11
